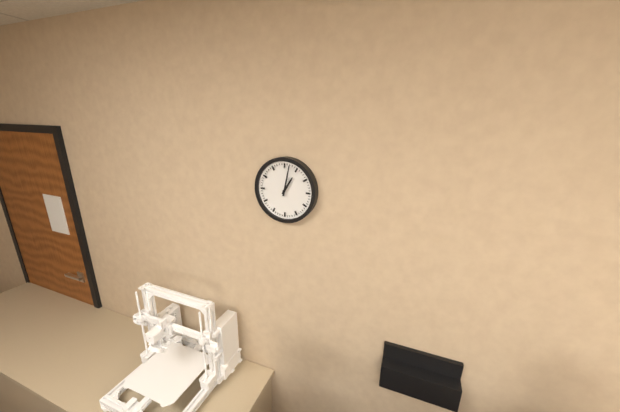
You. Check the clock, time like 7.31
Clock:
1.02
